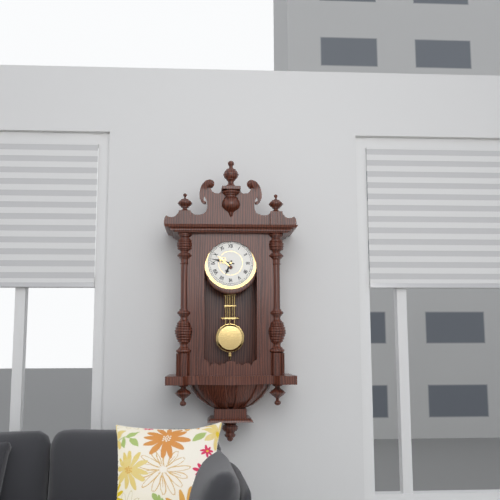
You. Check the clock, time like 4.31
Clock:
6.47
